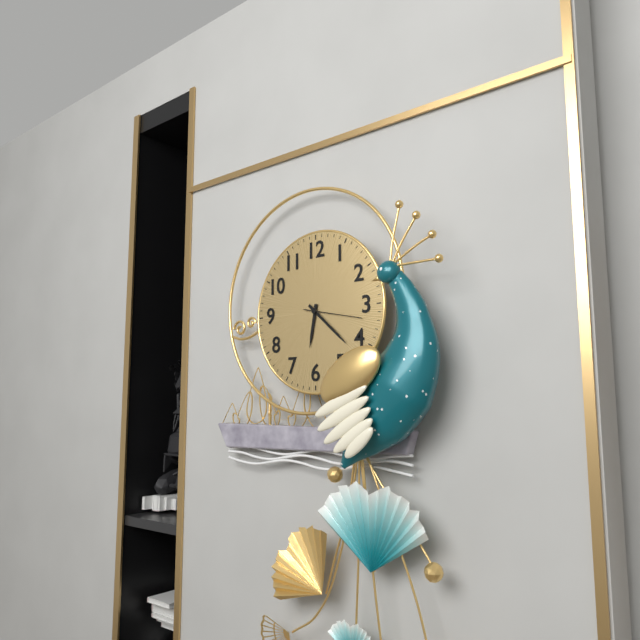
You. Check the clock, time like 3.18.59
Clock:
6.22.17
